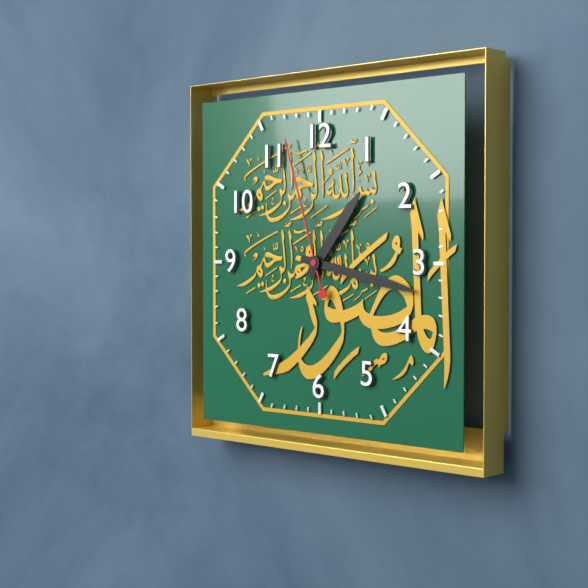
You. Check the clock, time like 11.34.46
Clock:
1.17.57
